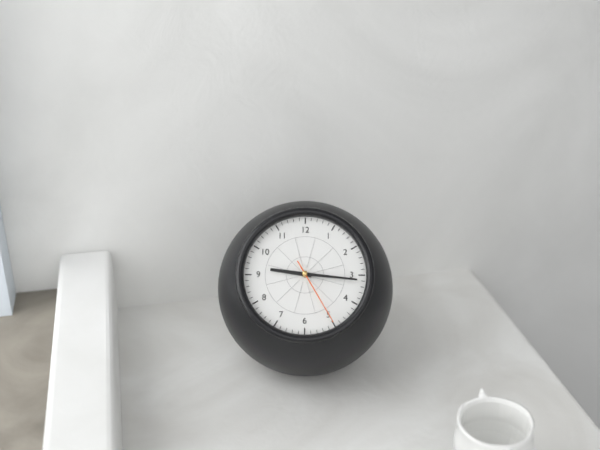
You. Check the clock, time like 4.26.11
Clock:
9.16.25
